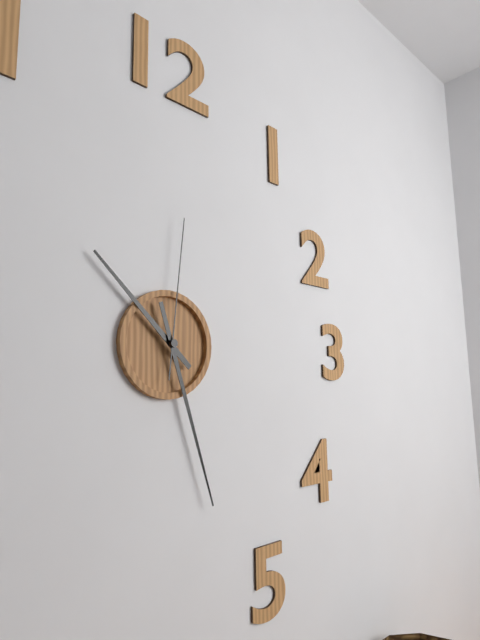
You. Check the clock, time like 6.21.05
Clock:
10.27.01
